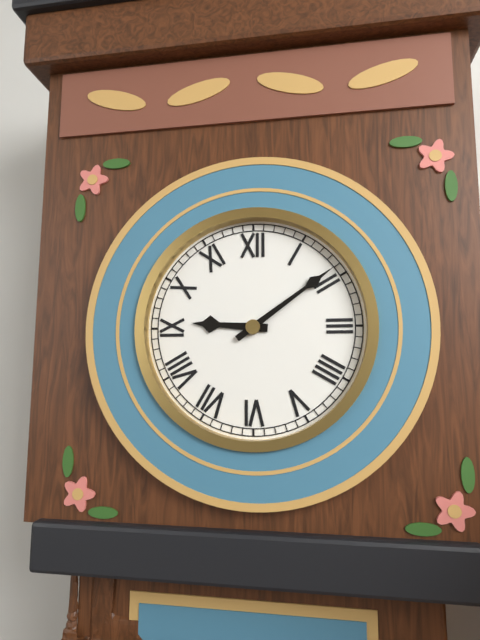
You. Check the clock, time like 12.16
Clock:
9.09
